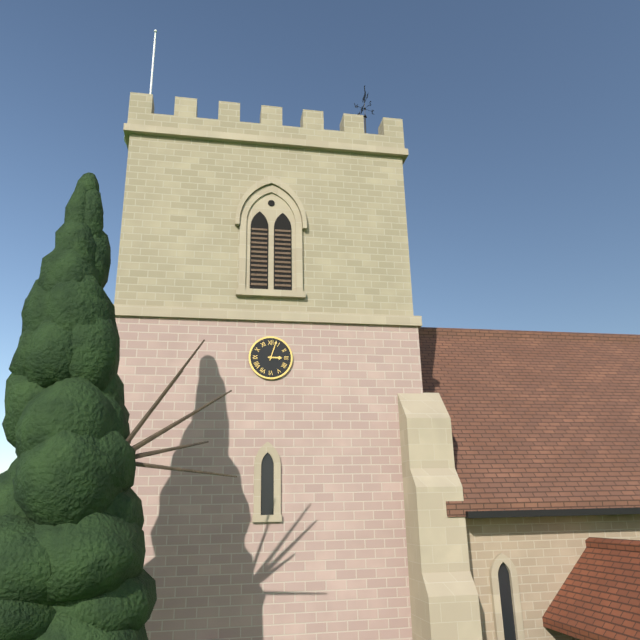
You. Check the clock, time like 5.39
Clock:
3.03
